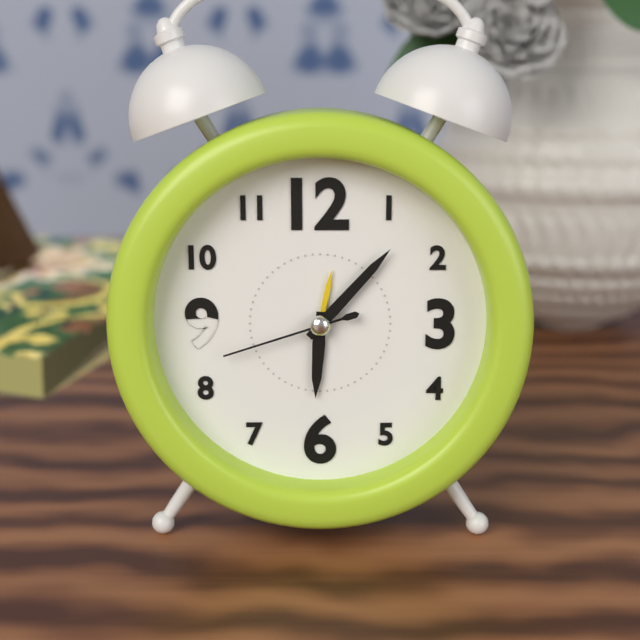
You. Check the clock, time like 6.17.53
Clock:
6.07.42
